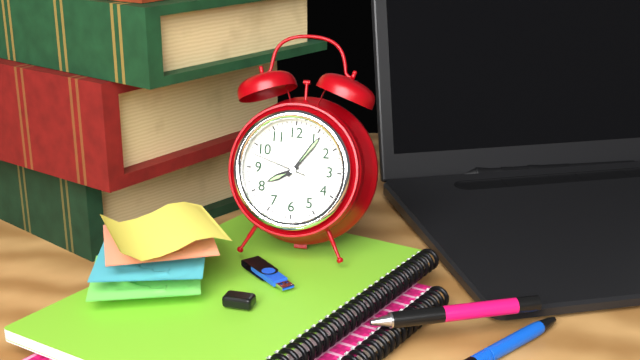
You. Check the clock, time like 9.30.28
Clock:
8.06.48
